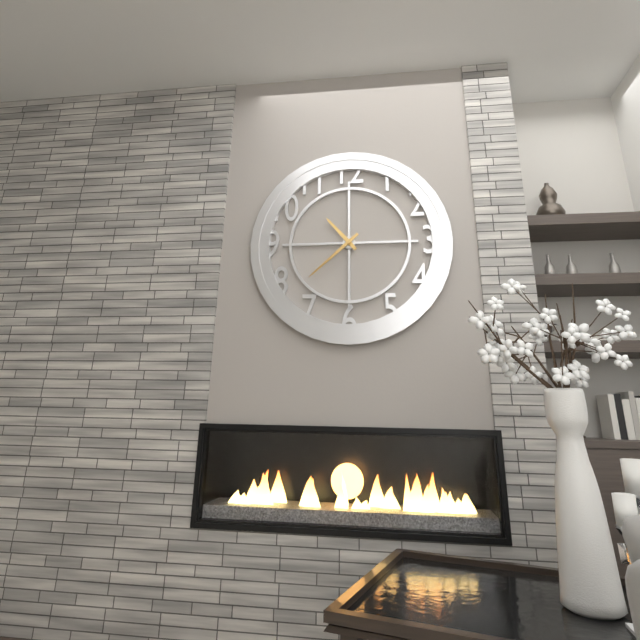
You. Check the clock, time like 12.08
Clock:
10.38
